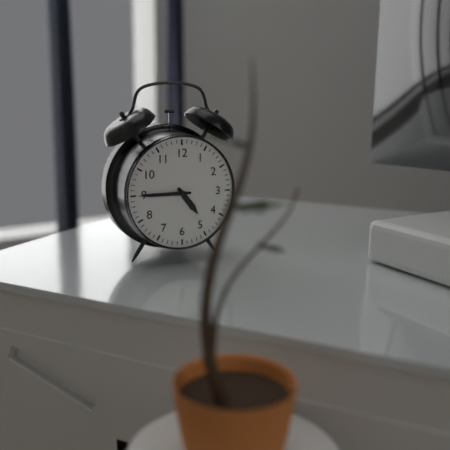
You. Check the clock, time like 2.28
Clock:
4.45
